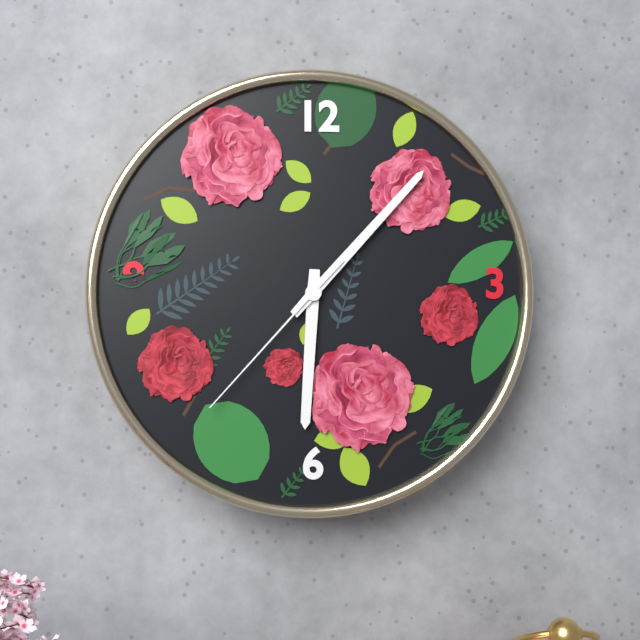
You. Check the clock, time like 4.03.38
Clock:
6.07.37
